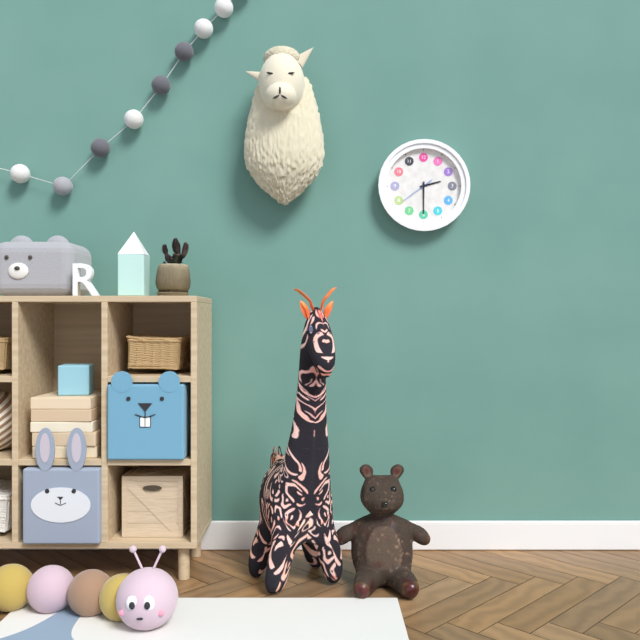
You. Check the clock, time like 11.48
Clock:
2.30
